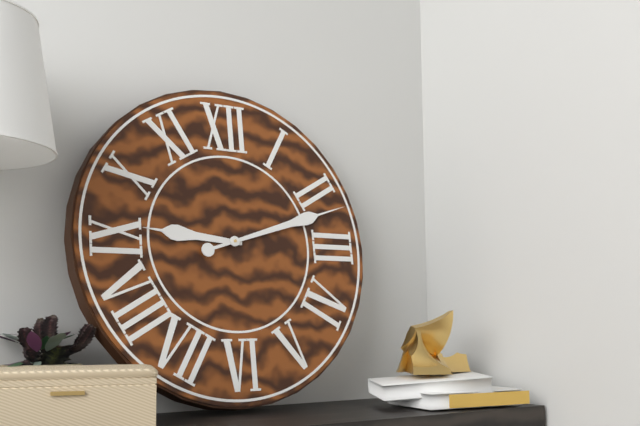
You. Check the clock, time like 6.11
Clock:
9.12
